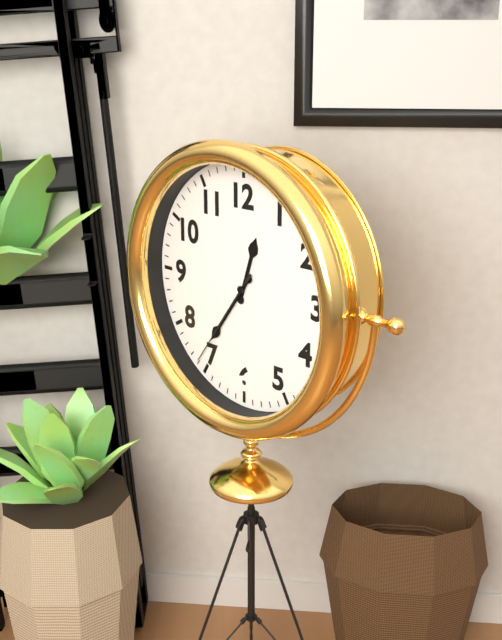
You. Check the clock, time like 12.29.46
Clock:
12.36.36
